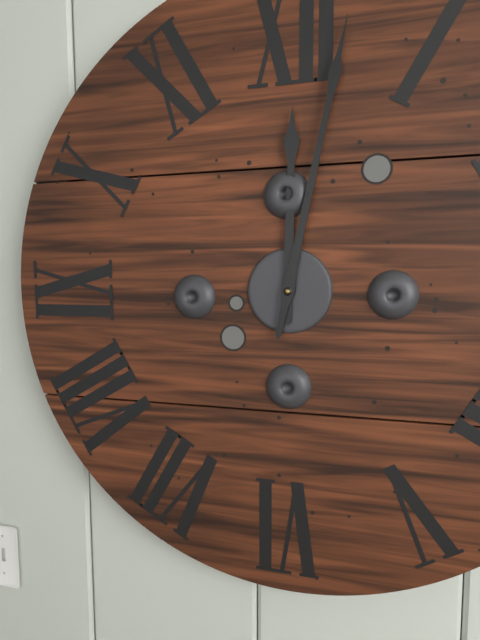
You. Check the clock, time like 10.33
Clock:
12.02
